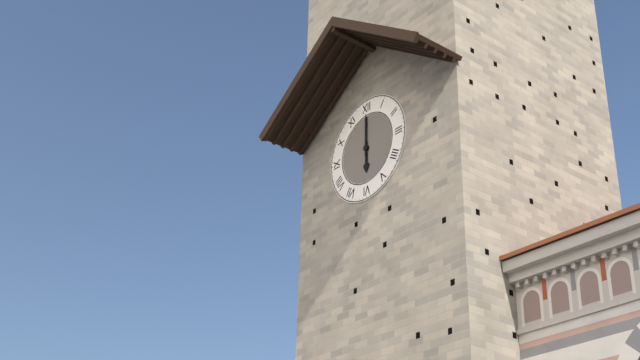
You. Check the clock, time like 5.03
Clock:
6.00
